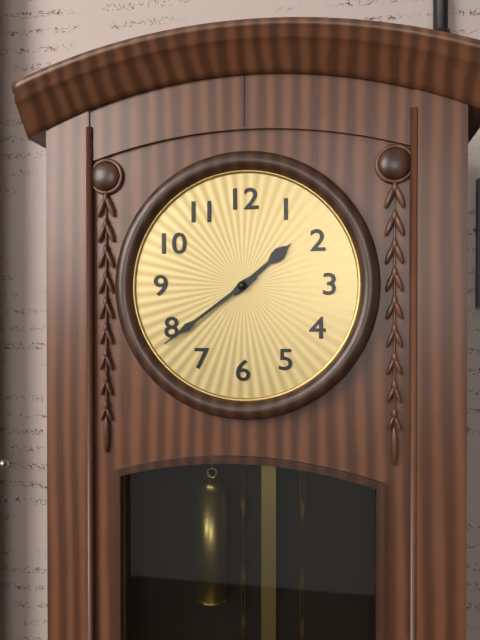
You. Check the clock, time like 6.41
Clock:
1.39
